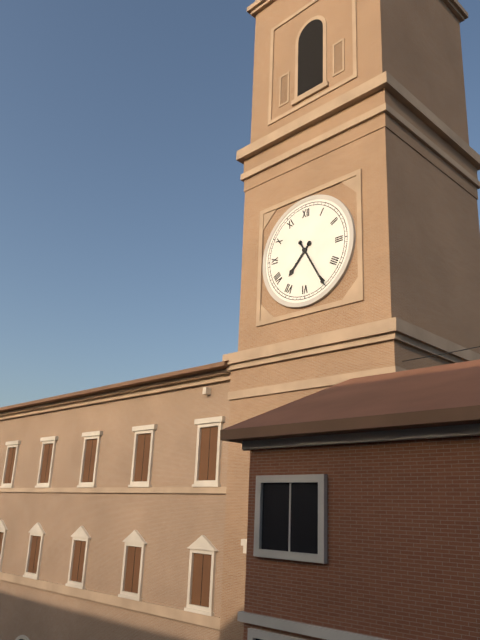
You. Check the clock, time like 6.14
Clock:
7.25
